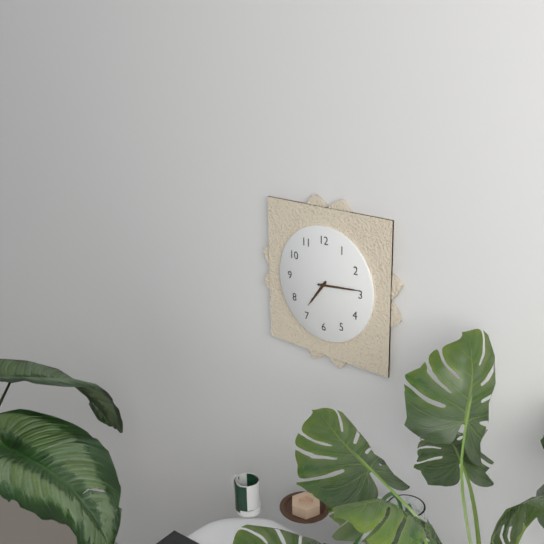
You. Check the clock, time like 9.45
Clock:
7.14
